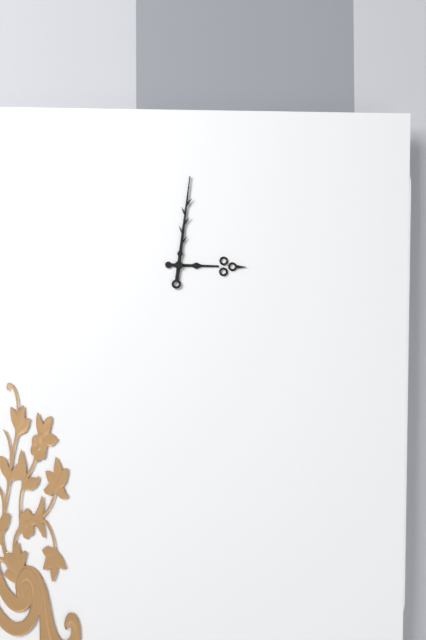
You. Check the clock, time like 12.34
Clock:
3.01
